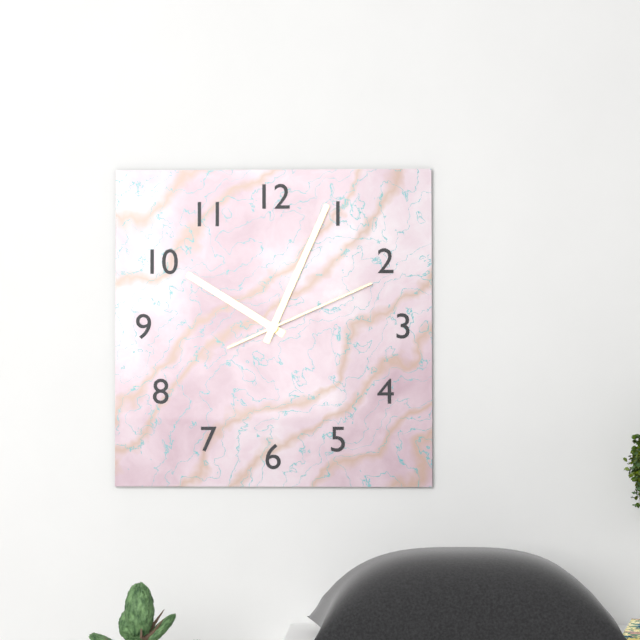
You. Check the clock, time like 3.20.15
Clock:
10.04.11
